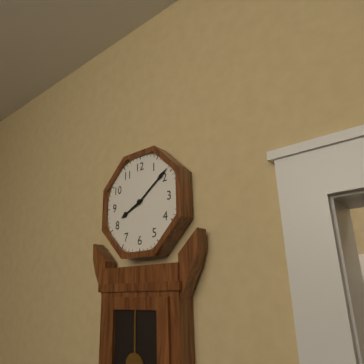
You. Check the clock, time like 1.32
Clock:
8.09
